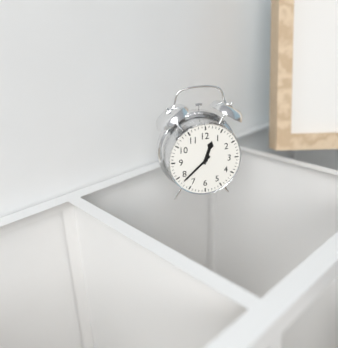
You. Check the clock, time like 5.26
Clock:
12.38
